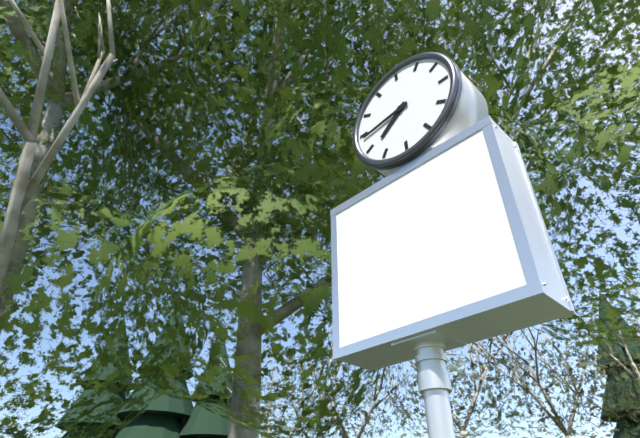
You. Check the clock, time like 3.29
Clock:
7.44
